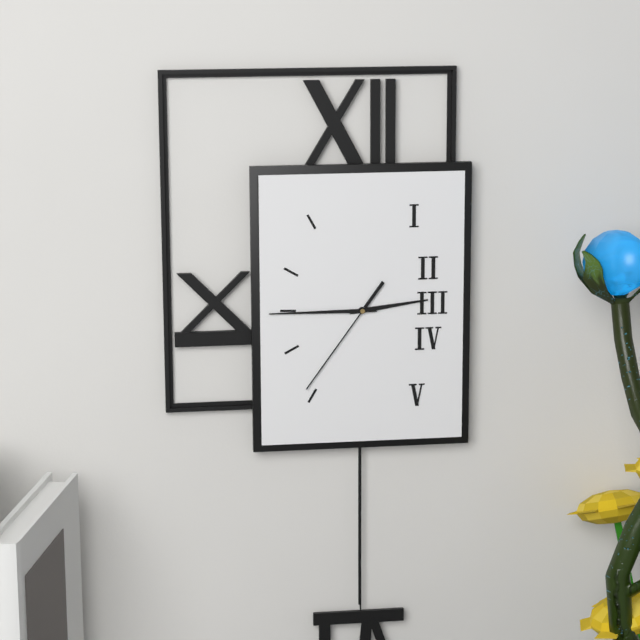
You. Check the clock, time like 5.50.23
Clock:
2.45.36
